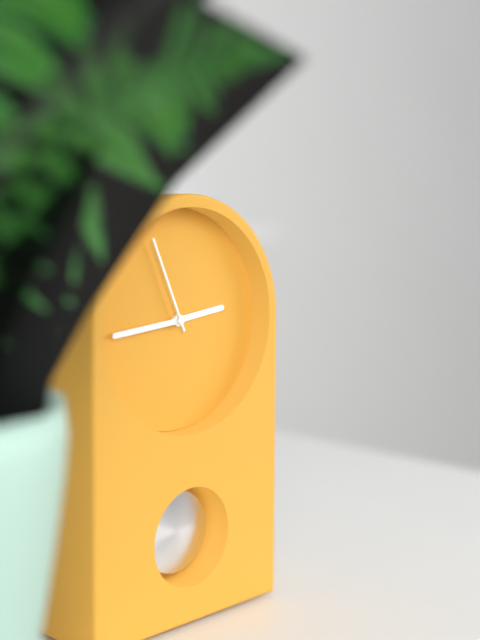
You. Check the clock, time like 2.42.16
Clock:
2.44.56
